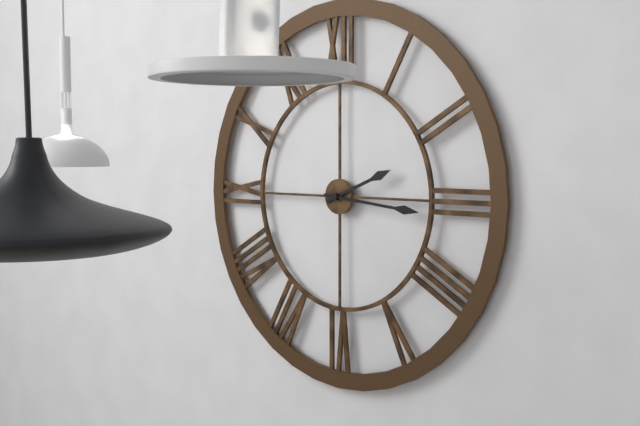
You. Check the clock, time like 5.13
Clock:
2.16
